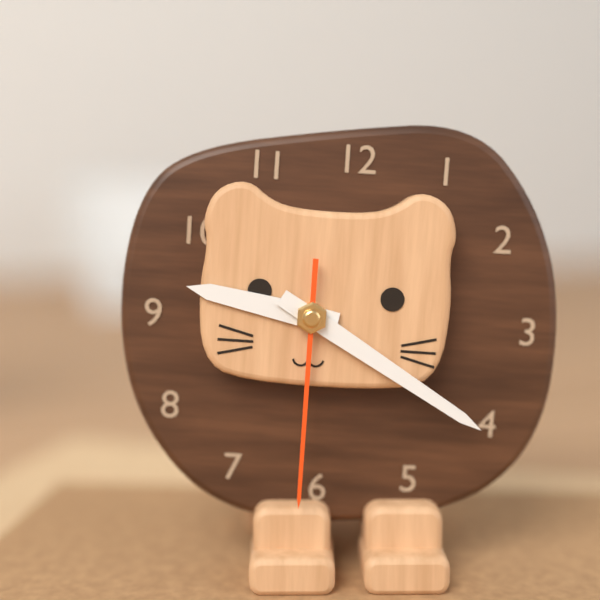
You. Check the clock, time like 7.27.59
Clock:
9.20.30
